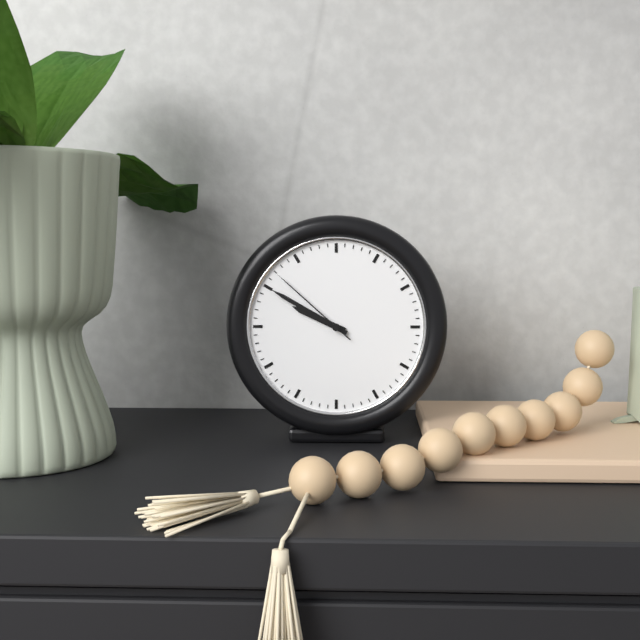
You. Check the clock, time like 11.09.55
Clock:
9.50.52
